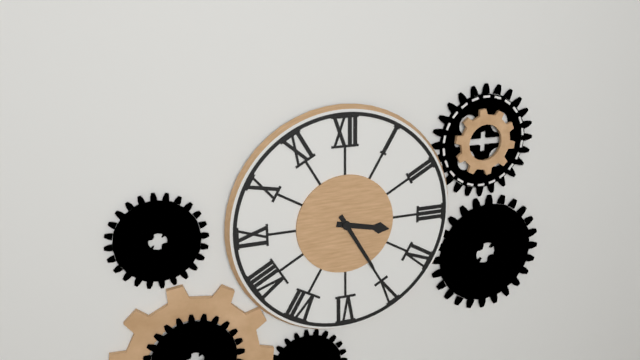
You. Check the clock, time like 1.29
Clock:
3.25
